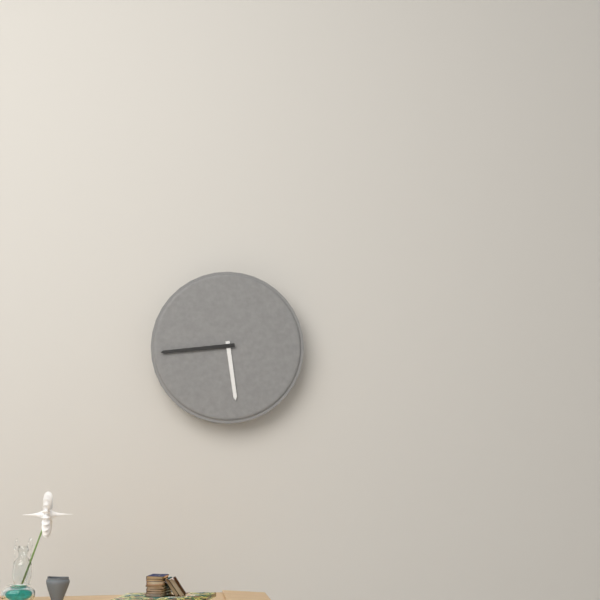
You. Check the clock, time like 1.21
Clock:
5.44
